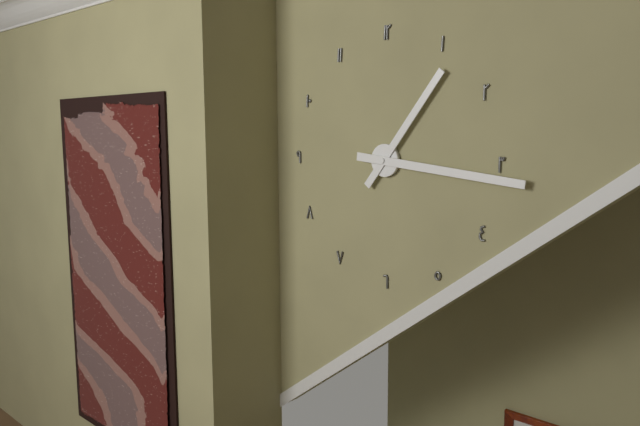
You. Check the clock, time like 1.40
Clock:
1.16
